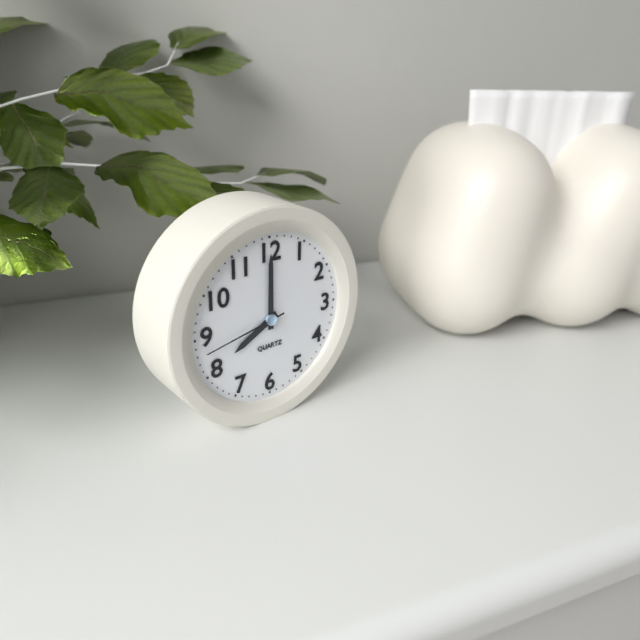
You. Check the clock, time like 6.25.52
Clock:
8.00.43
